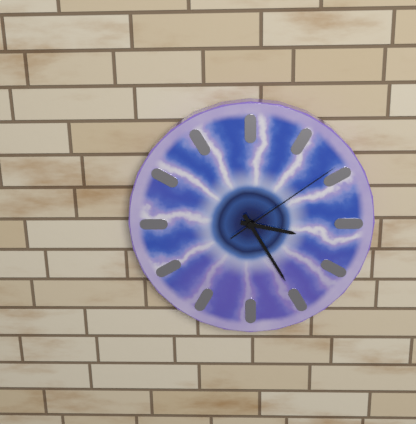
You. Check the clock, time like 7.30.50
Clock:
3.25.09
